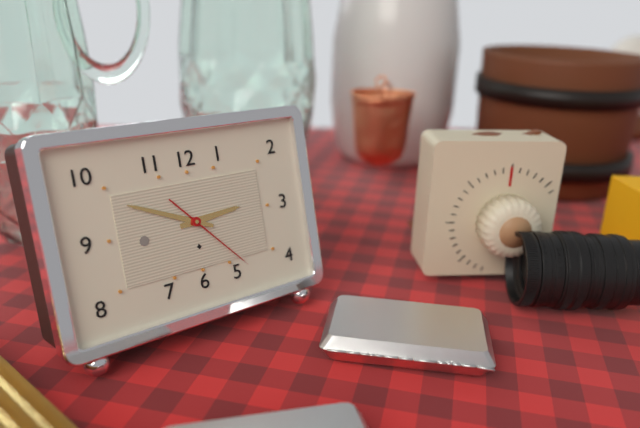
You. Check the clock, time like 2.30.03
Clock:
2.49.23
